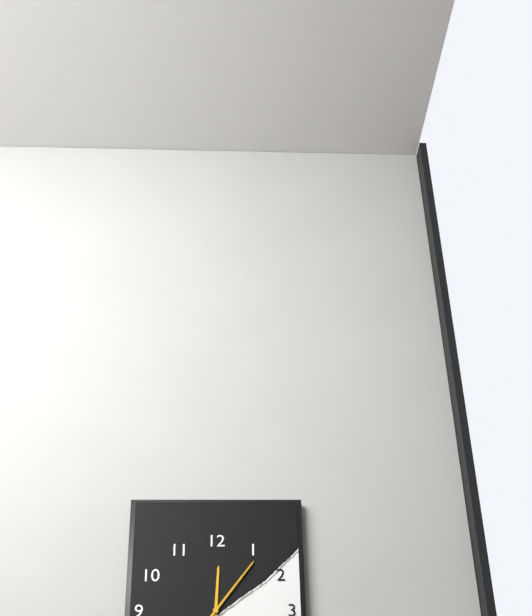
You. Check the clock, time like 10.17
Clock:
12.06
